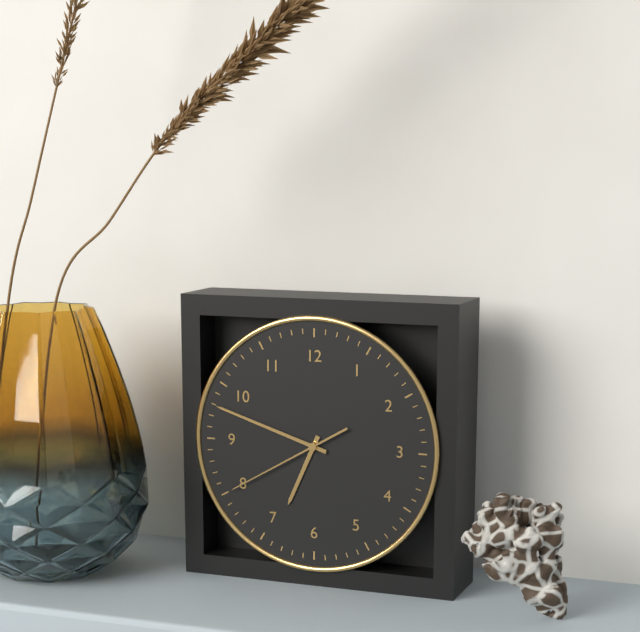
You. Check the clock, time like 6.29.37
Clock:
6.48.40
